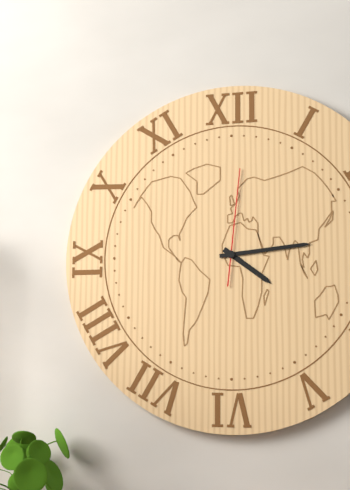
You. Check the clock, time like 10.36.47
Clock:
4.14.01
